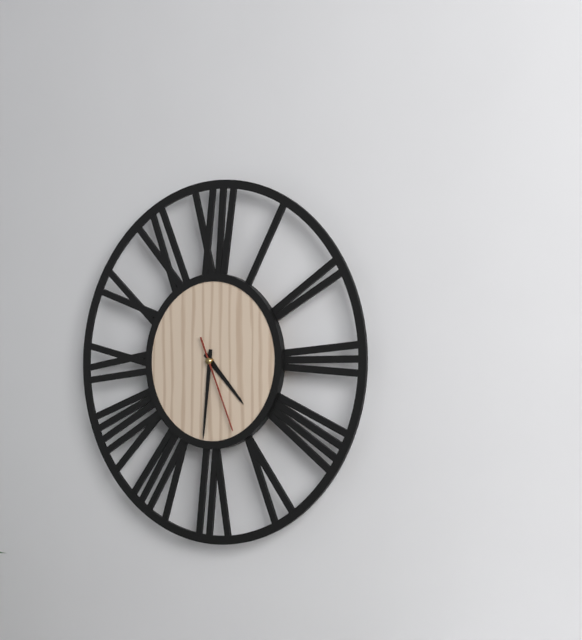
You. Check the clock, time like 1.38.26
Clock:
4.31.26
